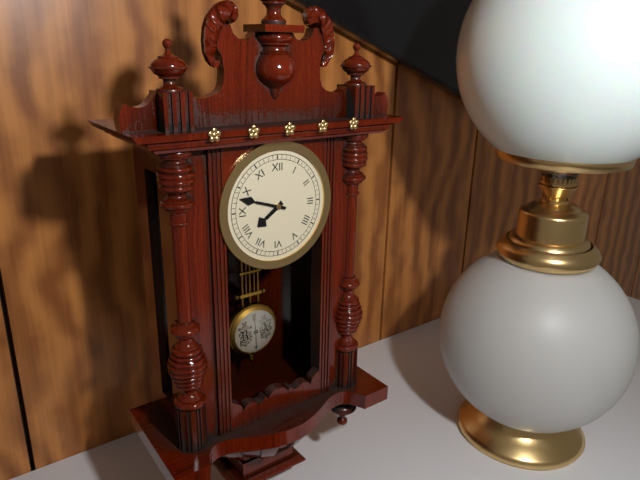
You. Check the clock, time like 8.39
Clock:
7.48
